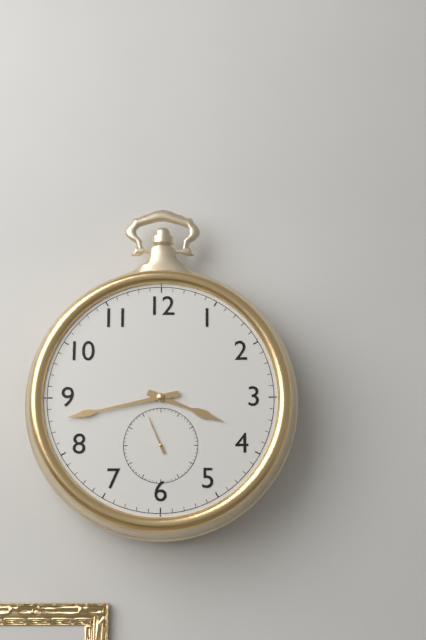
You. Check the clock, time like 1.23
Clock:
3.43
